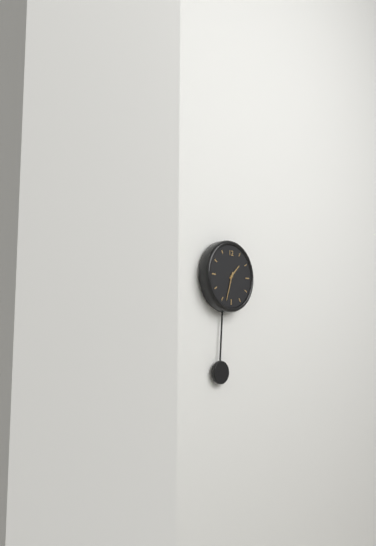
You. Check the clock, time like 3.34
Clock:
1.33
